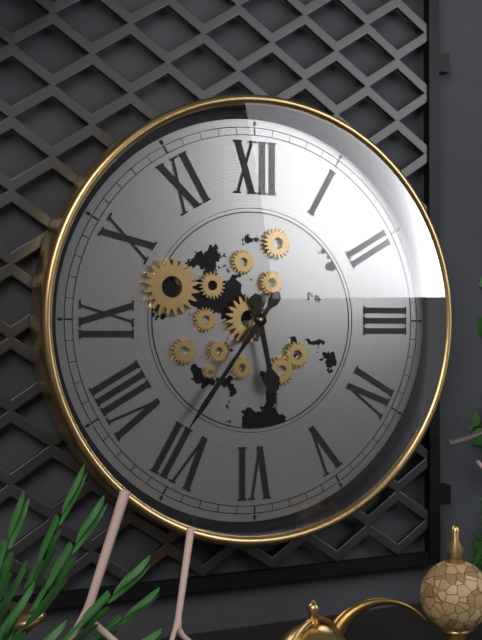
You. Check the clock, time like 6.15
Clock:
5.36
